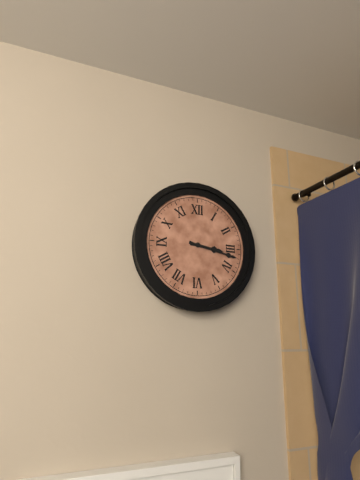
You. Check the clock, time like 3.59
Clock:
3.17
